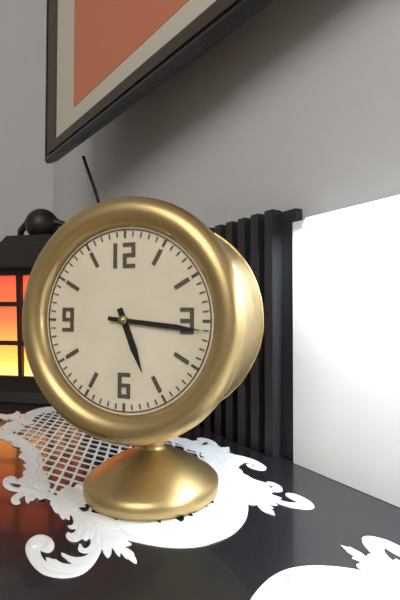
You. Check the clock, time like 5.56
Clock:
5.16
